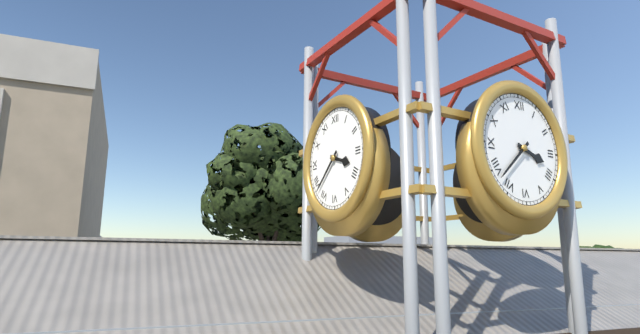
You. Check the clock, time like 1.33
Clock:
3.38
